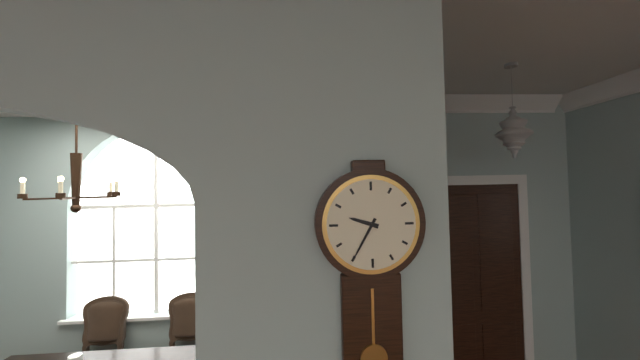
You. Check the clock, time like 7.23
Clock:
9.35
